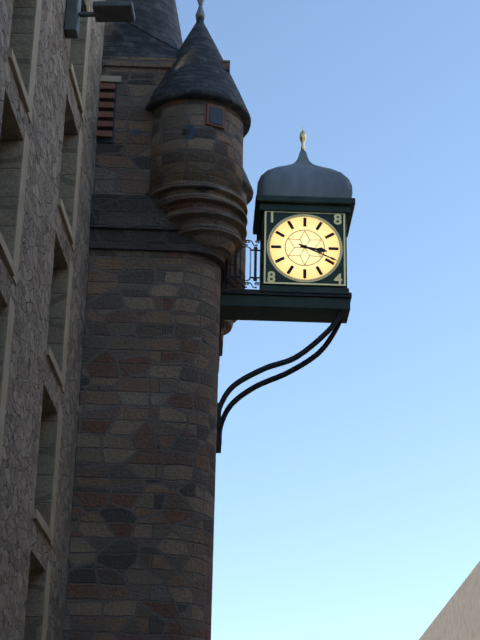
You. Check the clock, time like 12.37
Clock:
3.19
